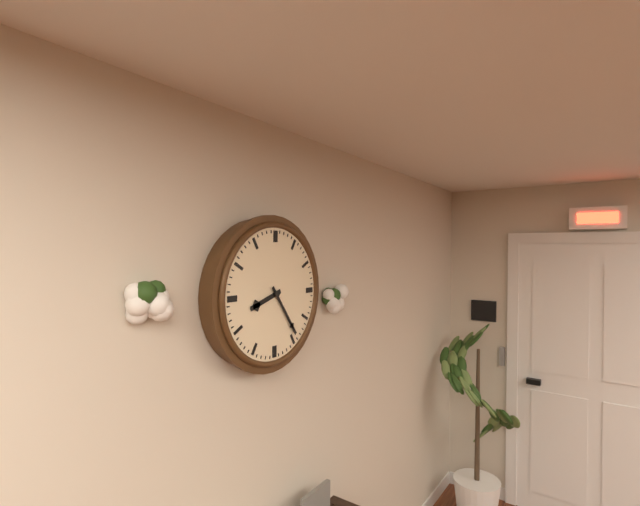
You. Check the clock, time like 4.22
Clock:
8.24
